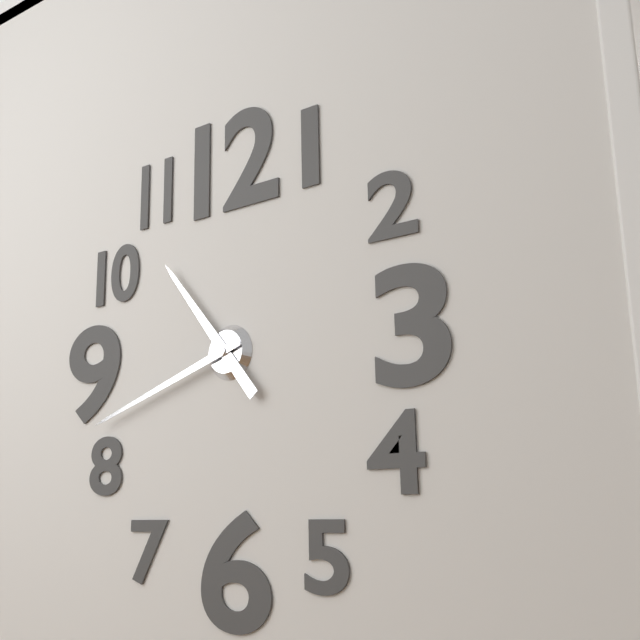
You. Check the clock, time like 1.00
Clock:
10.42
